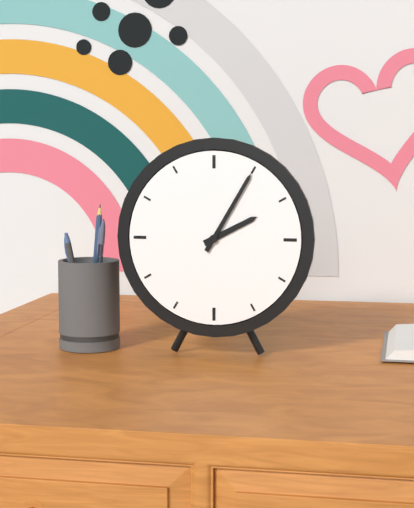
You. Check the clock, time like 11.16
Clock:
2.05
